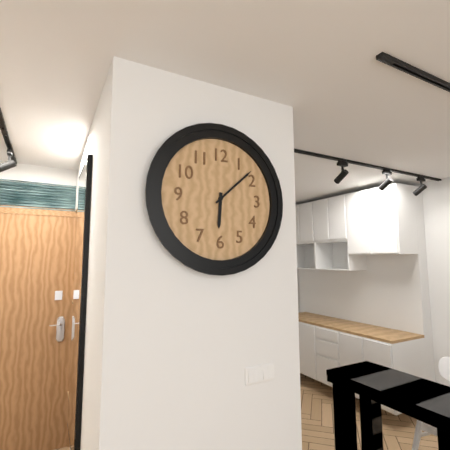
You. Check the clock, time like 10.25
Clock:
6.08
